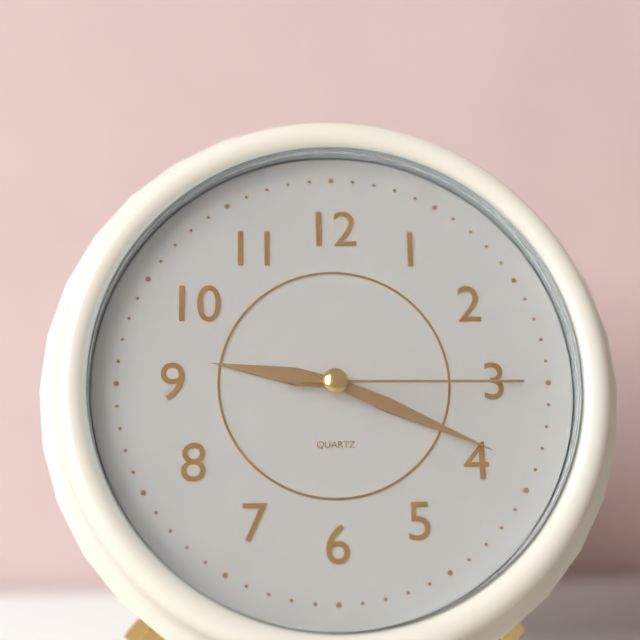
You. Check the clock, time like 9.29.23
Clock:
9.19.15
